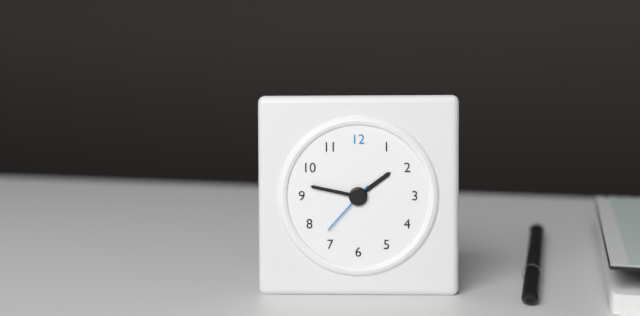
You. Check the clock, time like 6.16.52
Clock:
1.47.37
